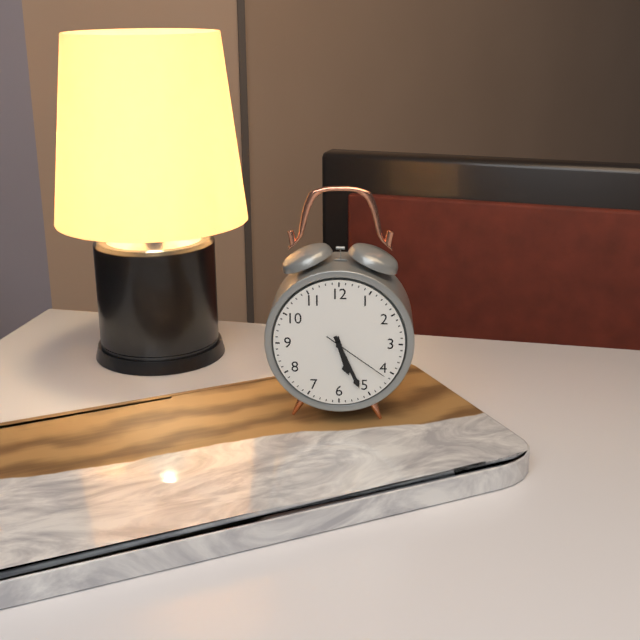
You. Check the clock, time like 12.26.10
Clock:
5.26.21
